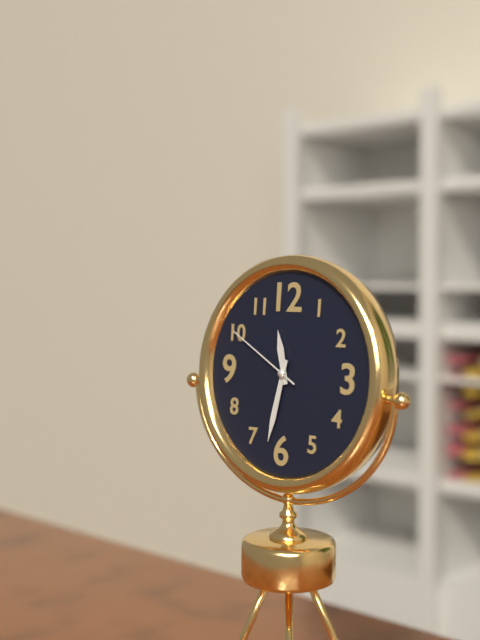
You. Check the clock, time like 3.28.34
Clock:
11.32.50
